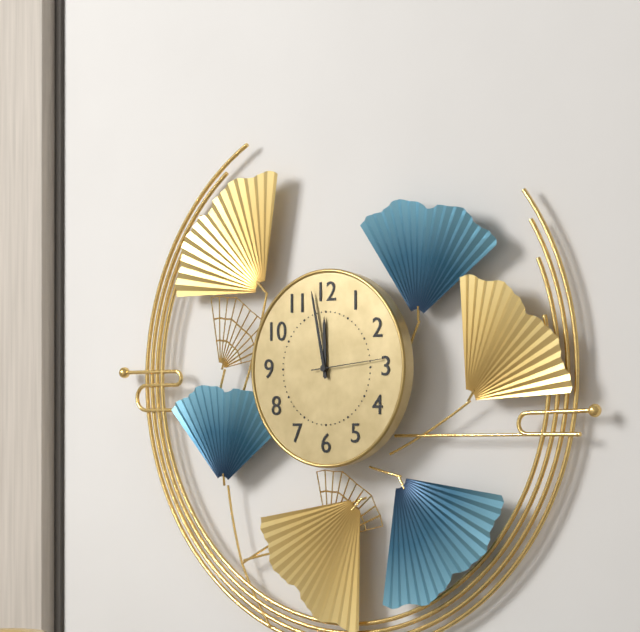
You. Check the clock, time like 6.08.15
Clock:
11.58.14
